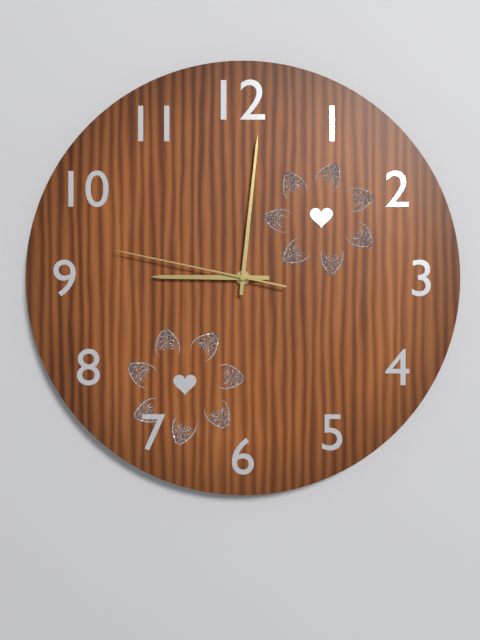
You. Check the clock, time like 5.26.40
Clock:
9.01.47
